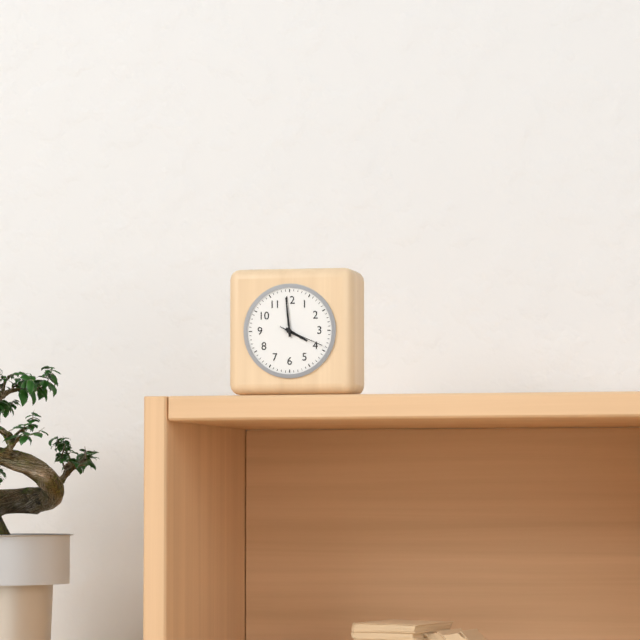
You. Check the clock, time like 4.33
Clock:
3.59
